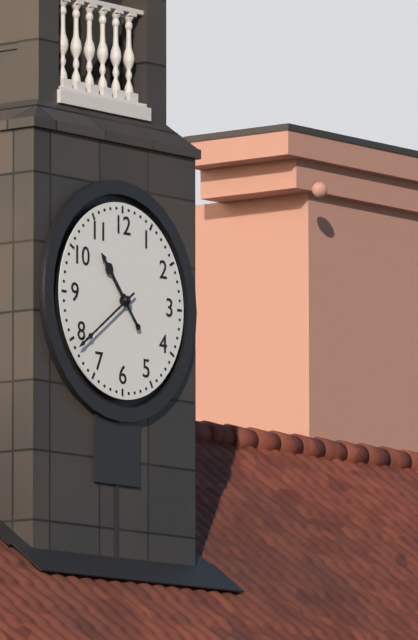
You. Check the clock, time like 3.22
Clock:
10.39
